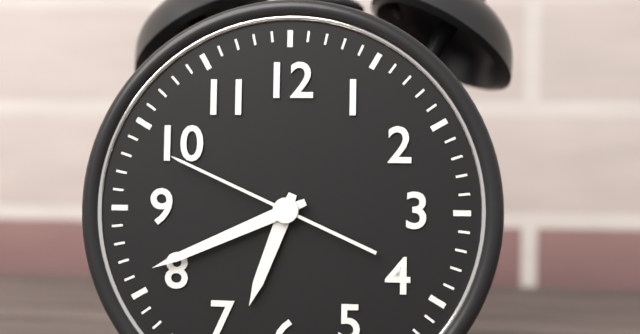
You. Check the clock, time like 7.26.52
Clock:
6.41.49
